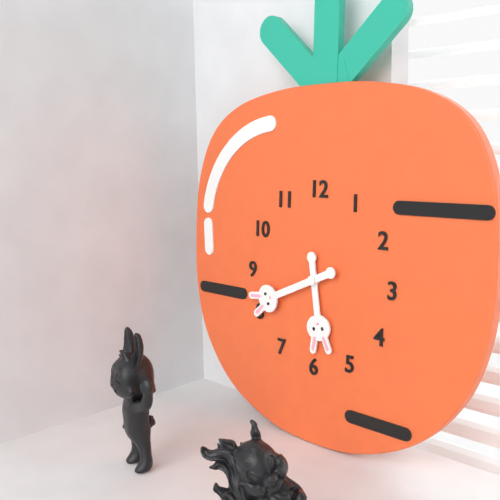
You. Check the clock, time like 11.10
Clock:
5.41
